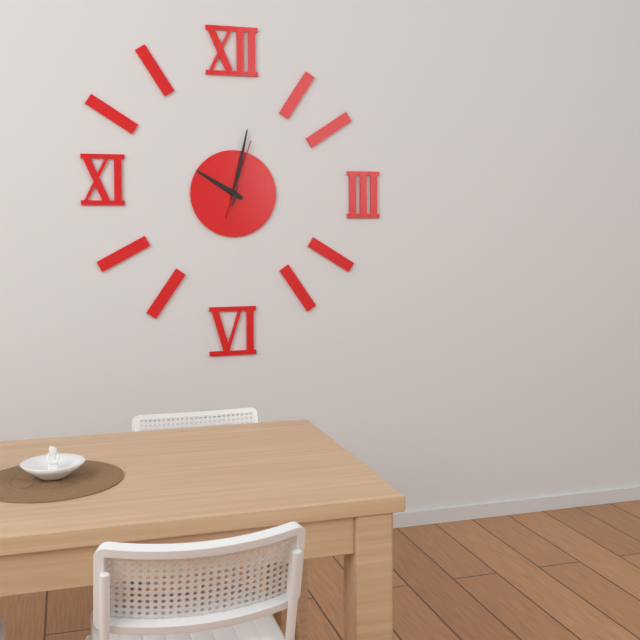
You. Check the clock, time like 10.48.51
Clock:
10.02.03
